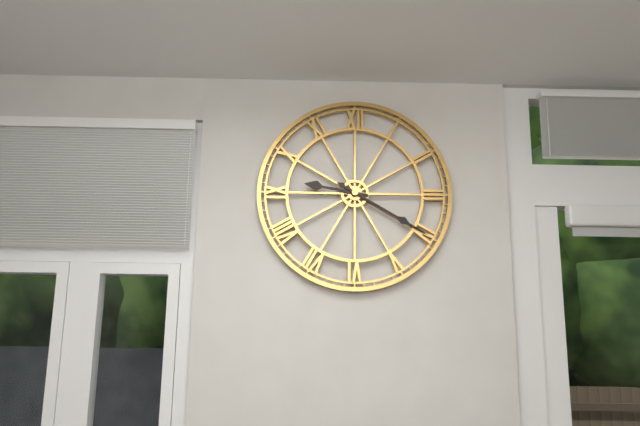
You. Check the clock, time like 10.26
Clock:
9.20
